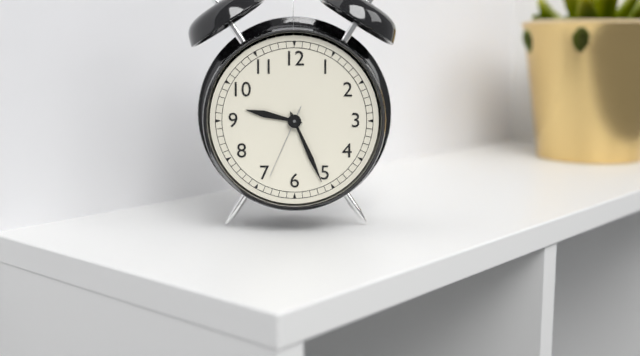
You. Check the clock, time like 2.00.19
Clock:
9.26.34
